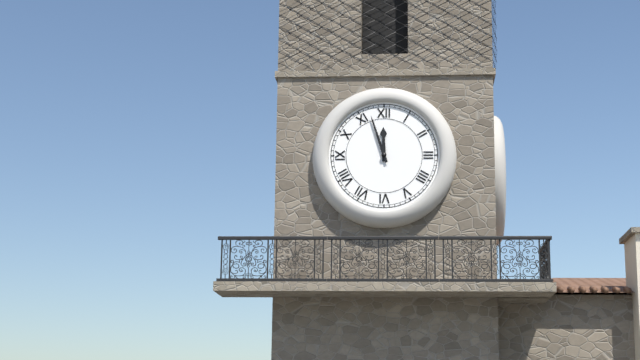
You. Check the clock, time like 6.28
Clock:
11.57
